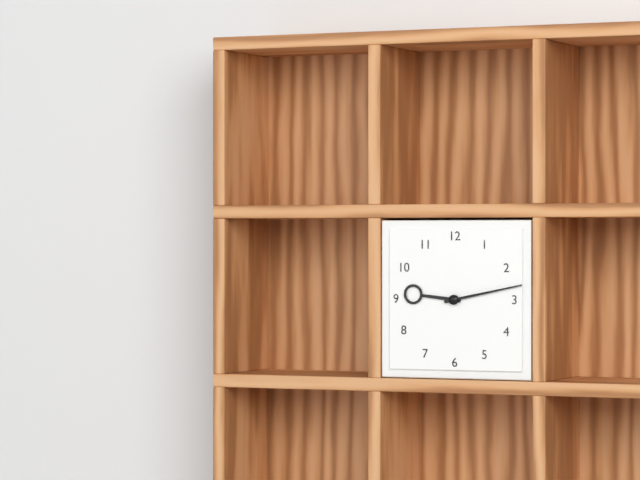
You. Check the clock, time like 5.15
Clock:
9.13
